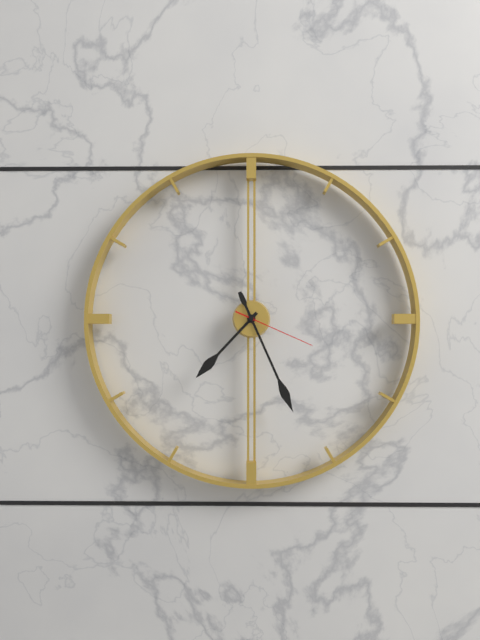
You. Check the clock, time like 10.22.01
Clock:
7.26.19
